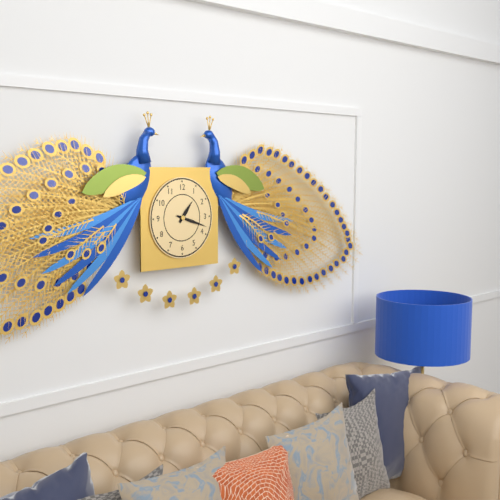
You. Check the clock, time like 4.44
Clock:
1.18
